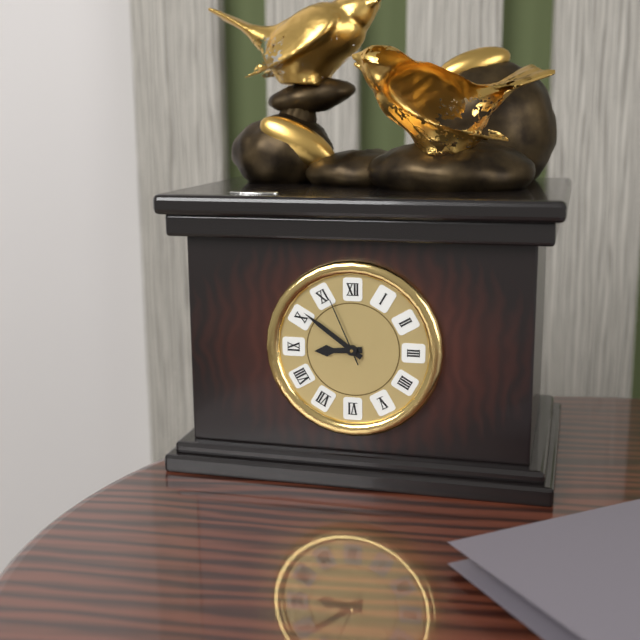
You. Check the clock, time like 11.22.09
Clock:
8.51.56
